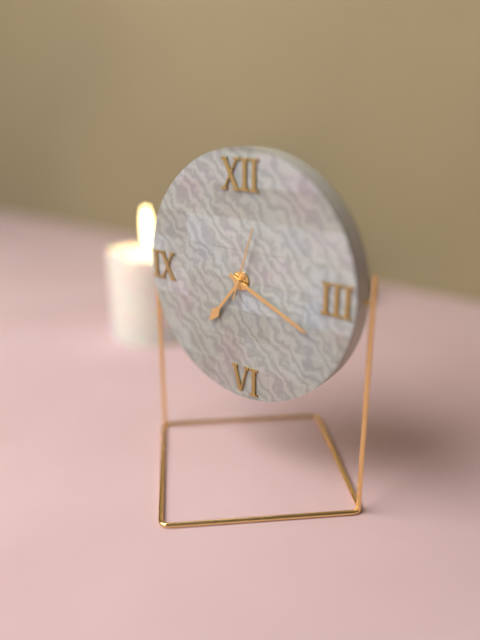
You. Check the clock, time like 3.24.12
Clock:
7.19.03
